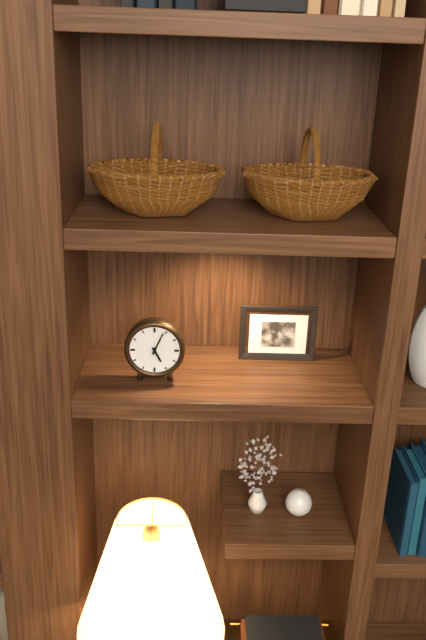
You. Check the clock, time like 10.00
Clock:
5.04
